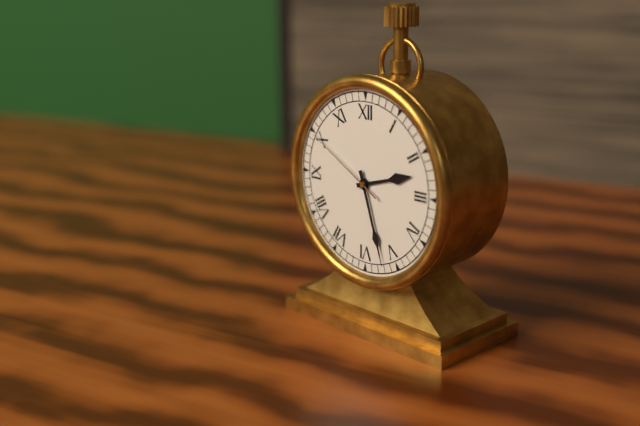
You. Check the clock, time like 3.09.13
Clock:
2.27.50
